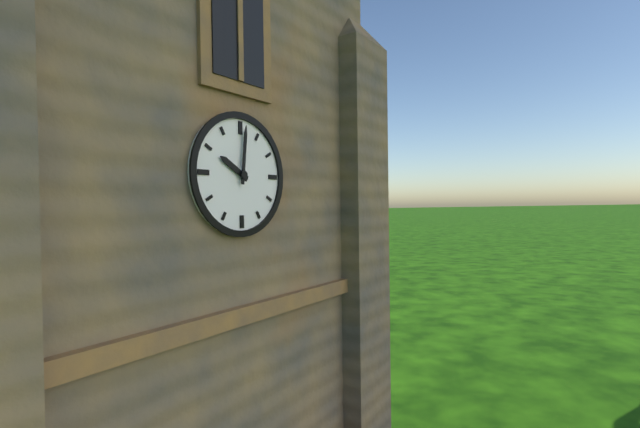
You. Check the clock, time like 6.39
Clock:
10.01
